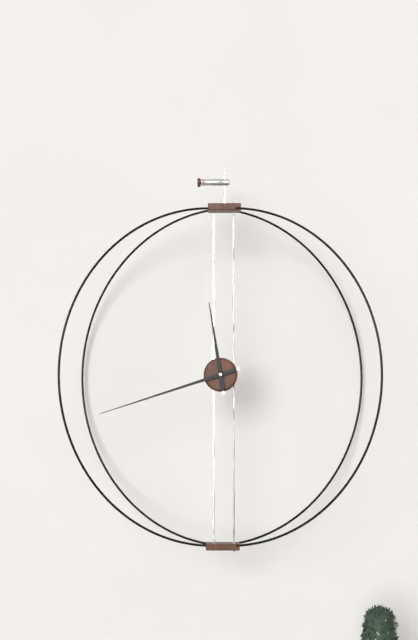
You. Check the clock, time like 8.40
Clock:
11.42
